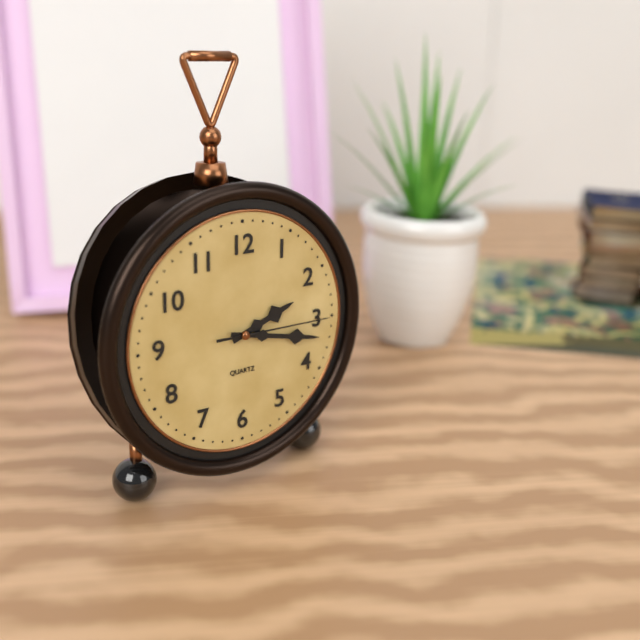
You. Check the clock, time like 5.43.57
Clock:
2.17.15
